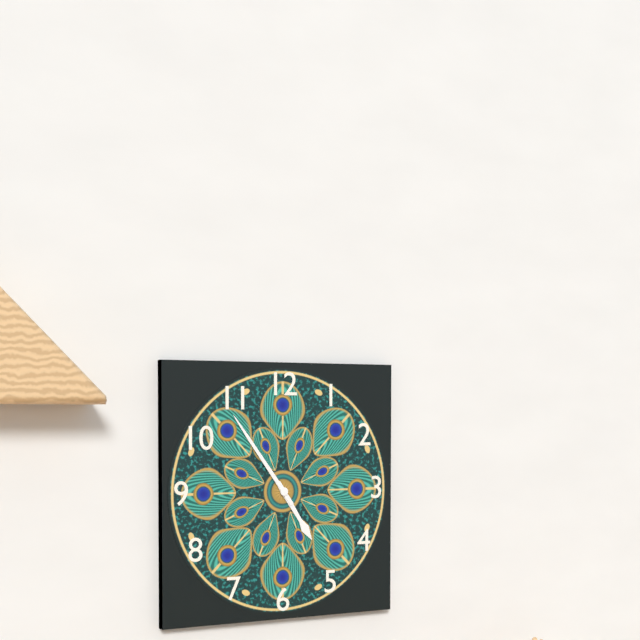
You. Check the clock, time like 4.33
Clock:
4.54
